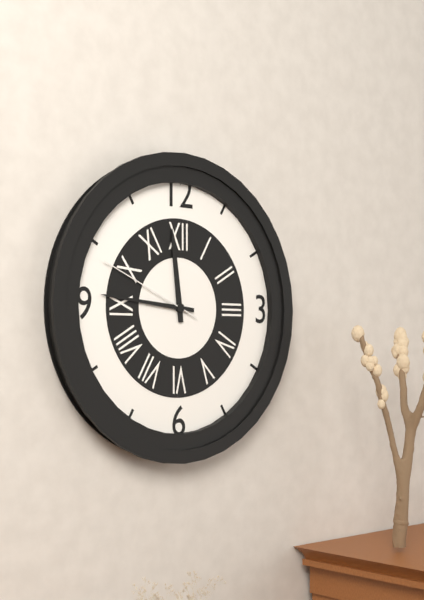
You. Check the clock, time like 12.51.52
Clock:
11.46.49
